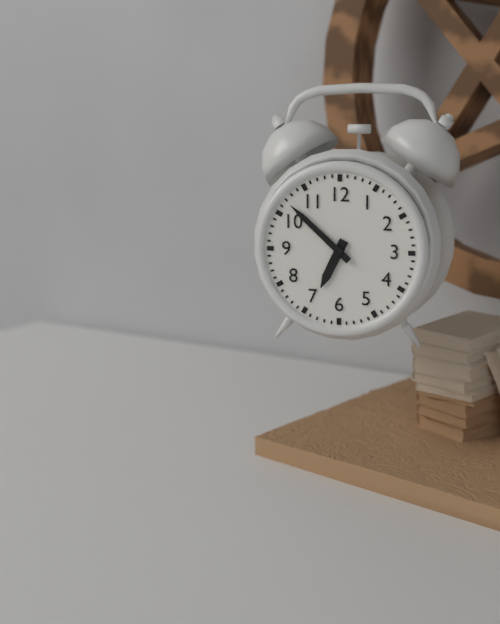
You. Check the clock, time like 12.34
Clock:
6.52
